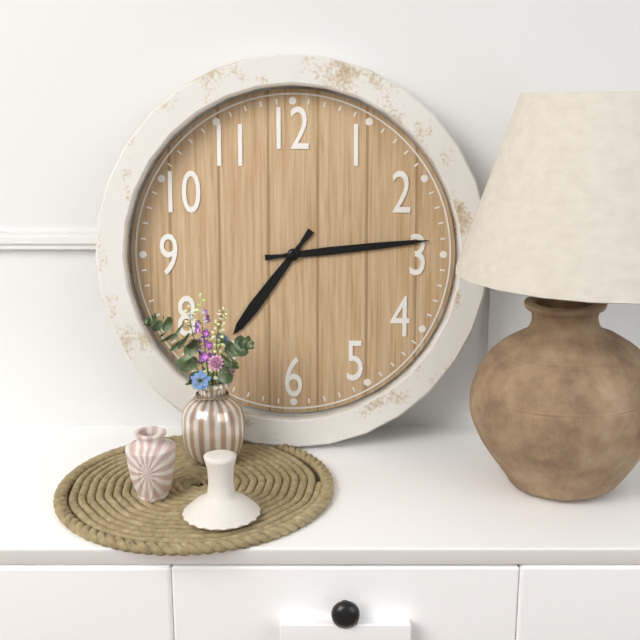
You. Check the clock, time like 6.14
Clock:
7.14
